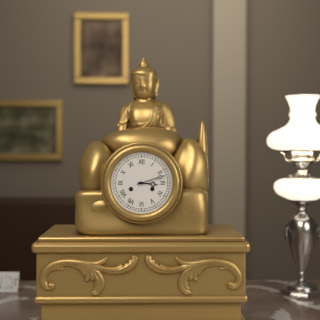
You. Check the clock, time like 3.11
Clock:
3.12
